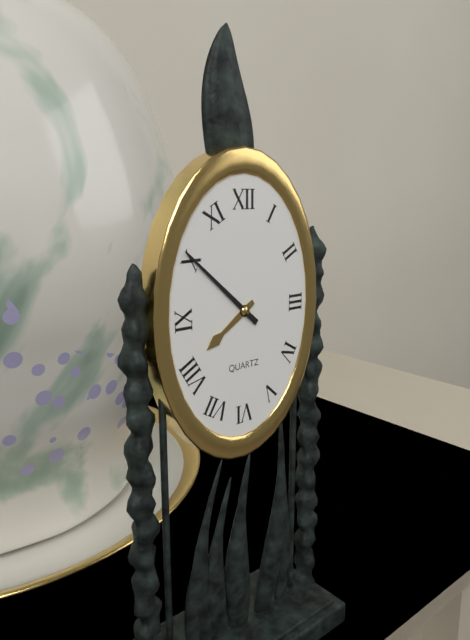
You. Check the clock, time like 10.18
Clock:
7.52
